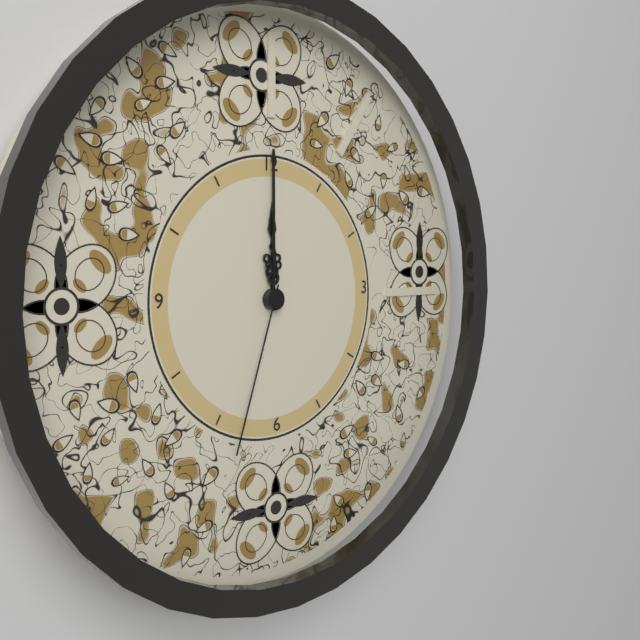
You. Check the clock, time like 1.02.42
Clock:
12.00.33
